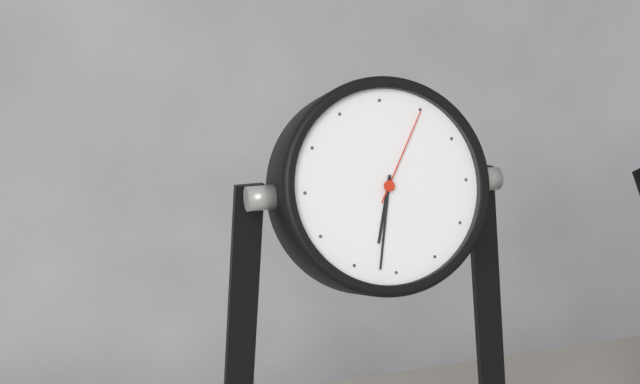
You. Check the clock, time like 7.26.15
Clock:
6.32.05
